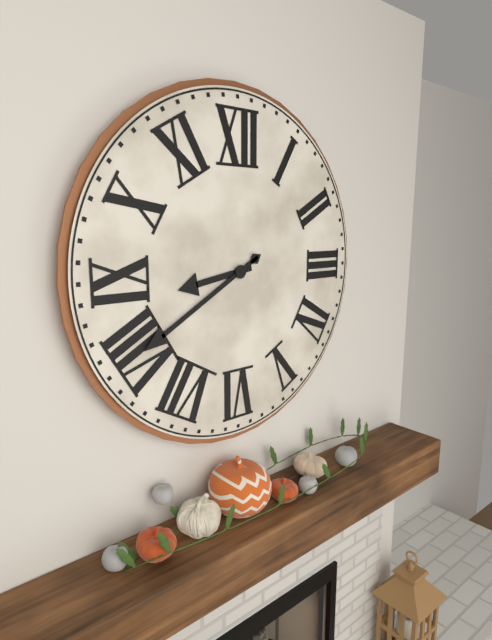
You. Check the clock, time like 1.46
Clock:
8.40
